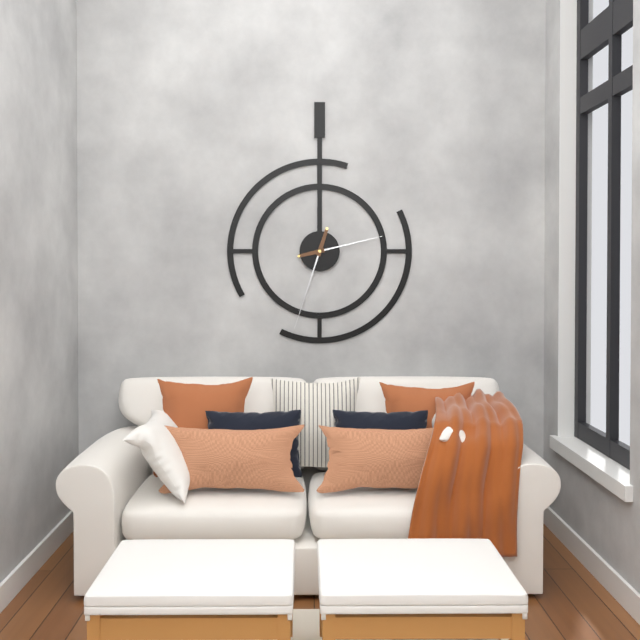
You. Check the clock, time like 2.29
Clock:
2.33
